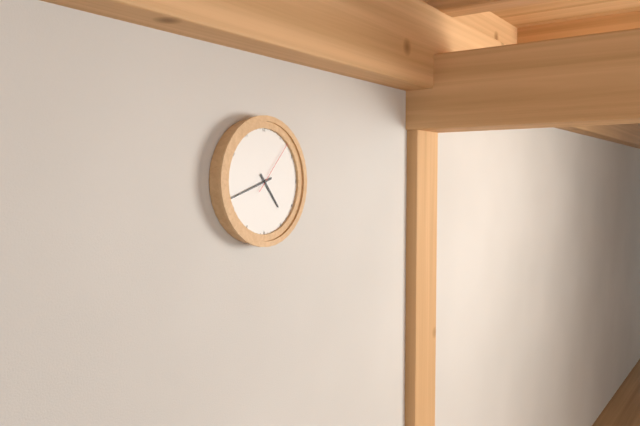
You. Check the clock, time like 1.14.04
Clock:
4.42.07
